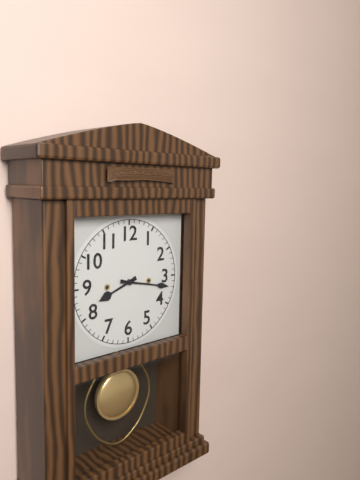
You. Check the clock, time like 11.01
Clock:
8.17
